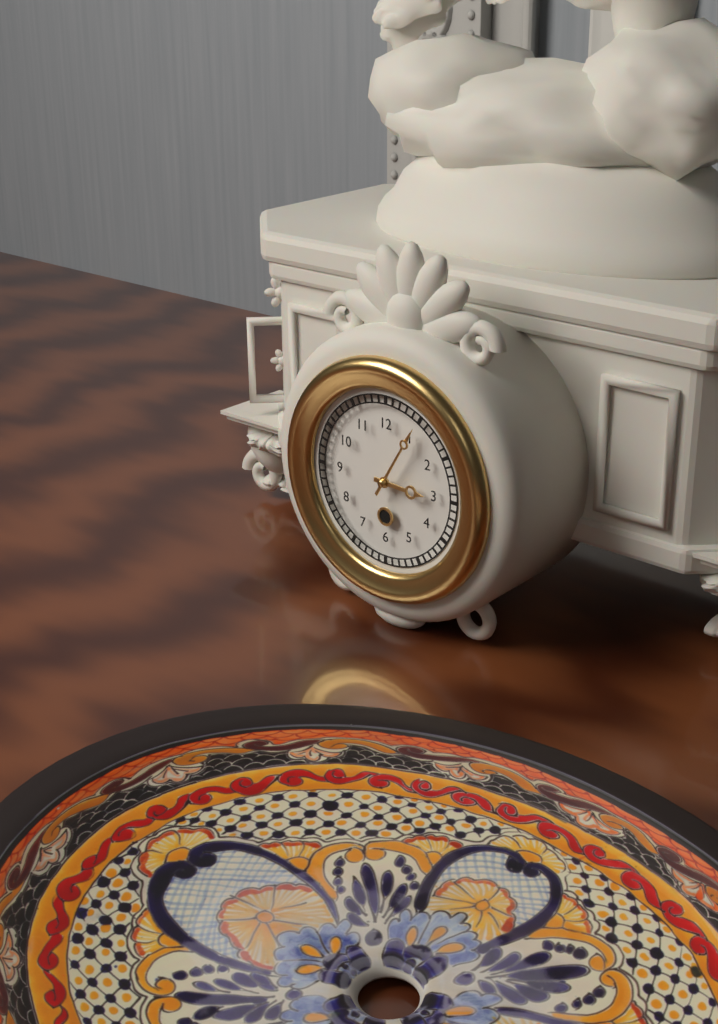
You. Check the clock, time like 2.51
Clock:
3.05
